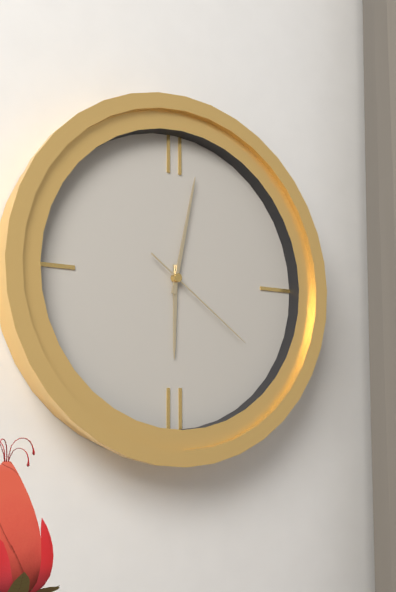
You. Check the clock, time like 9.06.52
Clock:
6.02.21
